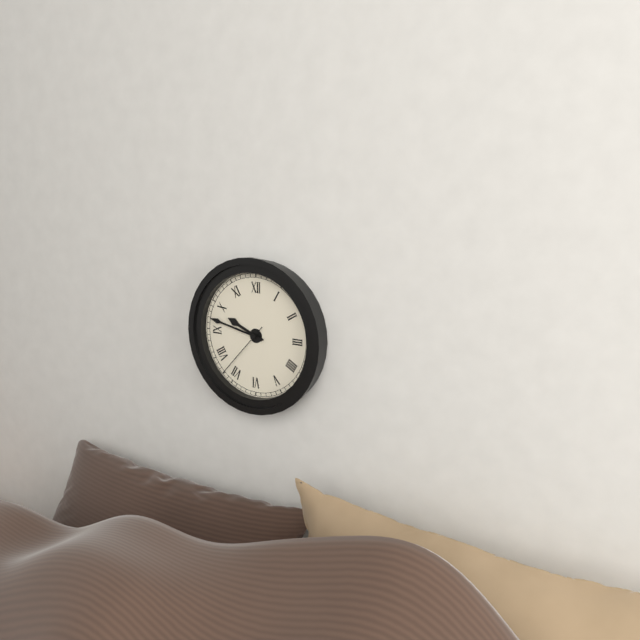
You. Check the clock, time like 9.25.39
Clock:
9.47.37
